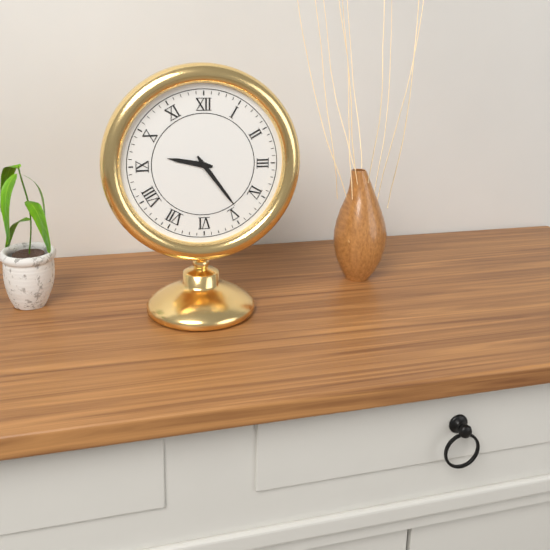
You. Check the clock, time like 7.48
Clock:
9.24
